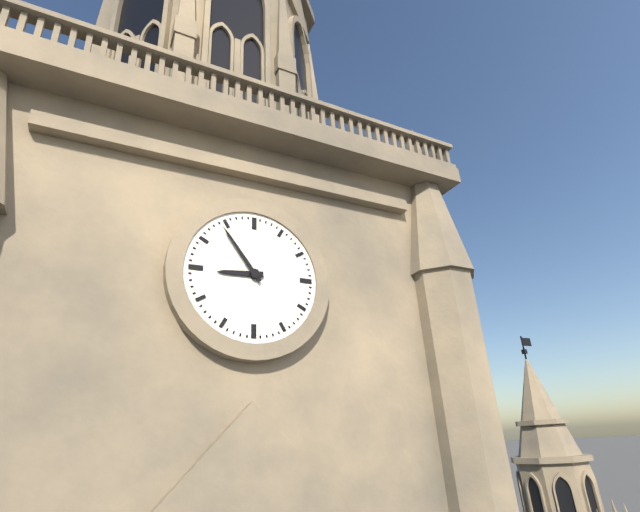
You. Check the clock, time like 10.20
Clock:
8.54
